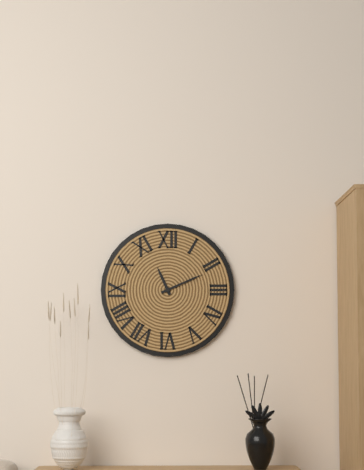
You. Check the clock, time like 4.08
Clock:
11.11
